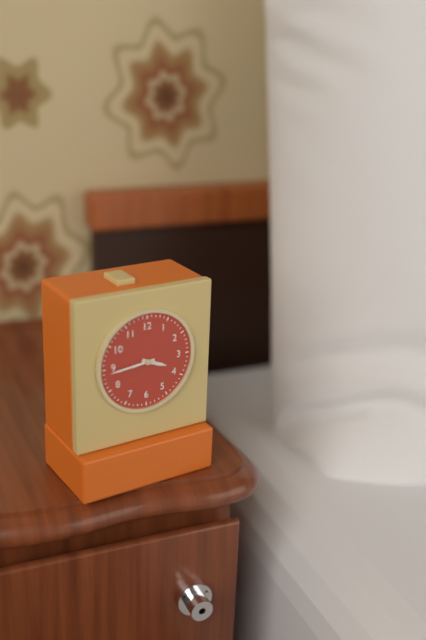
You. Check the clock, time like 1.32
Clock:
3.44
